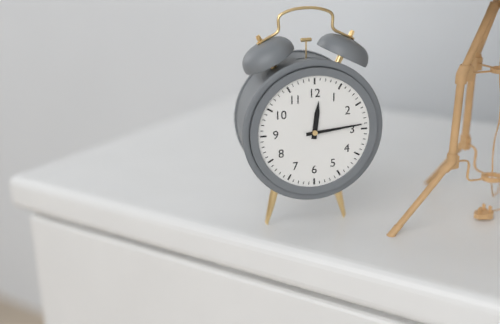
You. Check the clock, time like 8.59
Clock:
12.14
